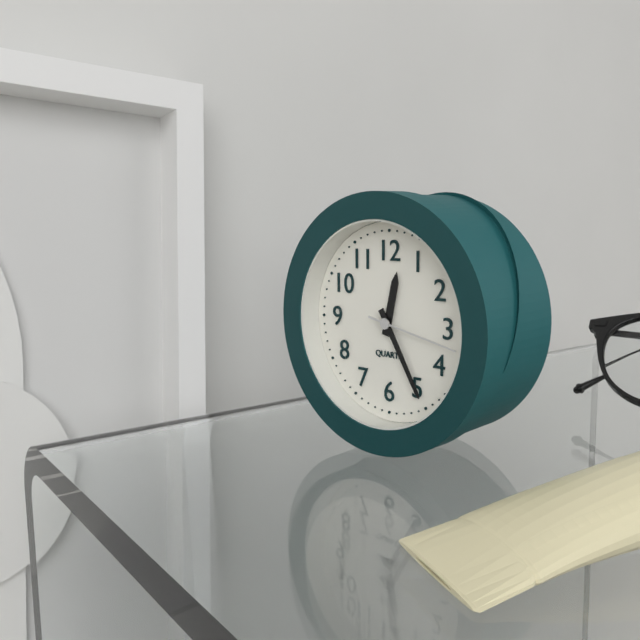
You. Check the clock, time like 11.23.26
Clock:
12.25.17
